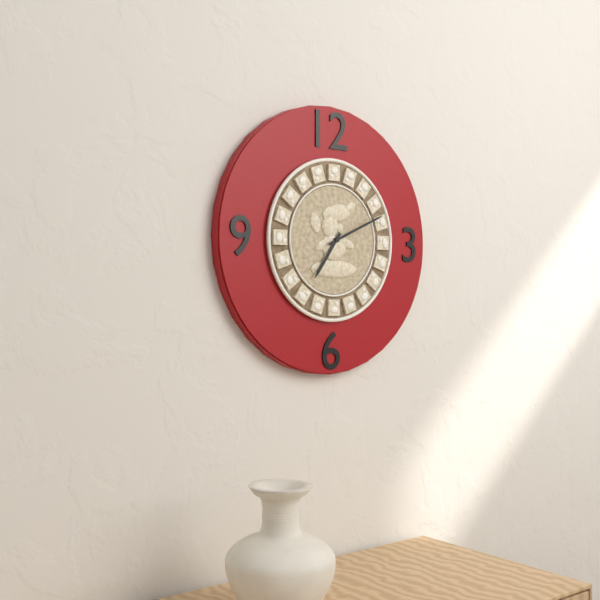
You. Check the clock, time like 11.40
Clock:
7.11
